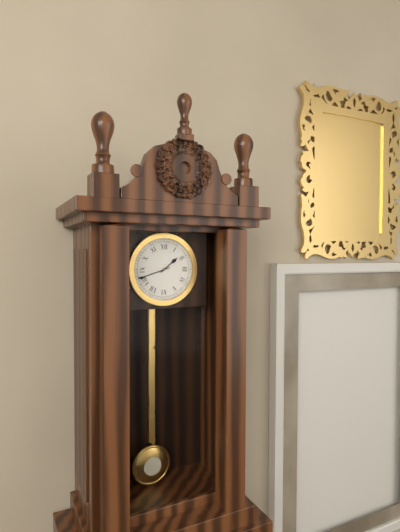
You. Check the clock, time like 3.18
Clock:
1.42
